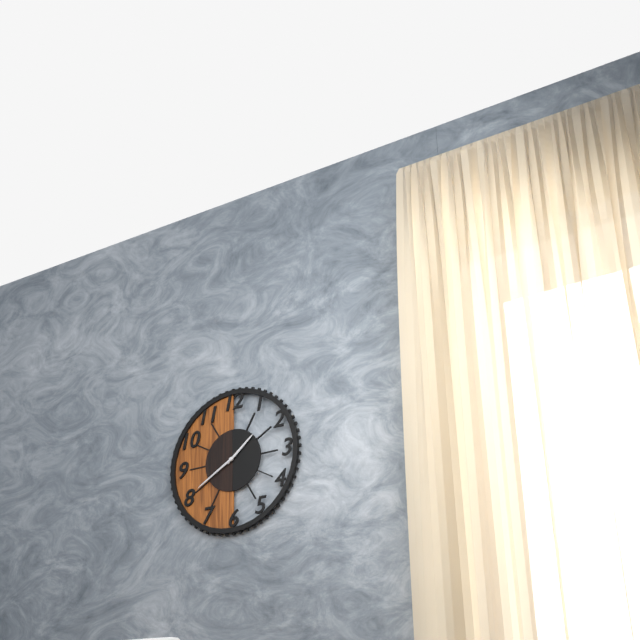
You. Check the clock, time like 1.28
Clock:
1.40
